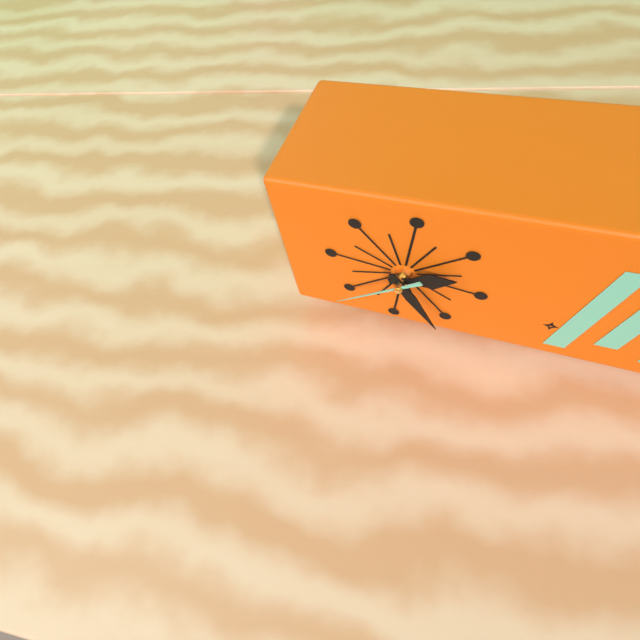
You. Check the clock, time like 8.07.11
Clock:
2.25.39
